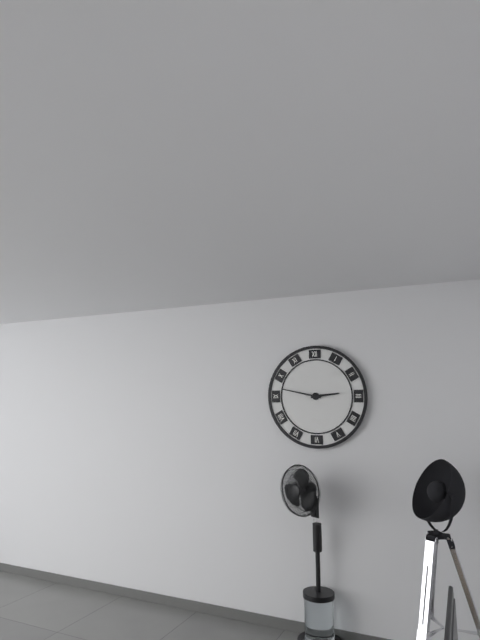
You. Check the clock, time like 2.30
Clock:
2.47
